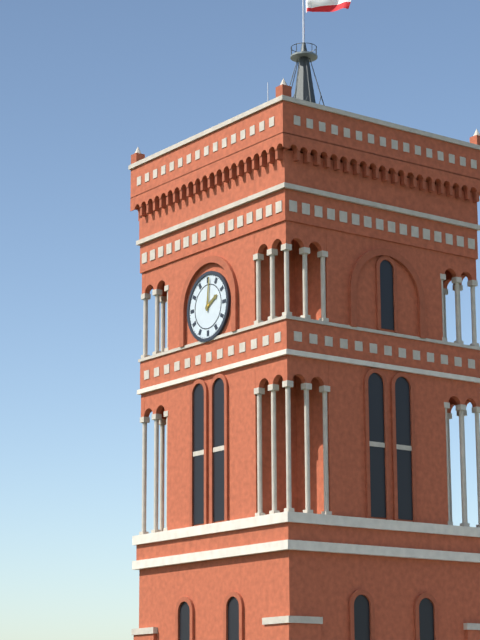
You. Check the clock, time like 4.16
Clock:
2.01
